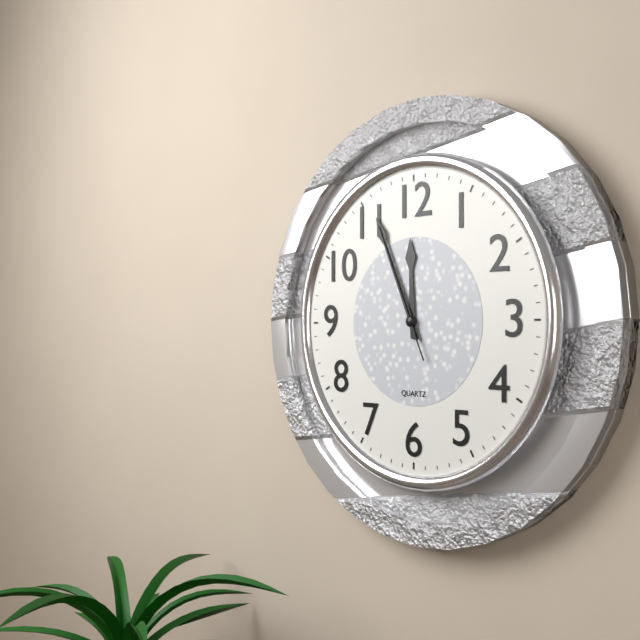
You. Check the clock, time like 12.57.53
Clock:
11.56.56
